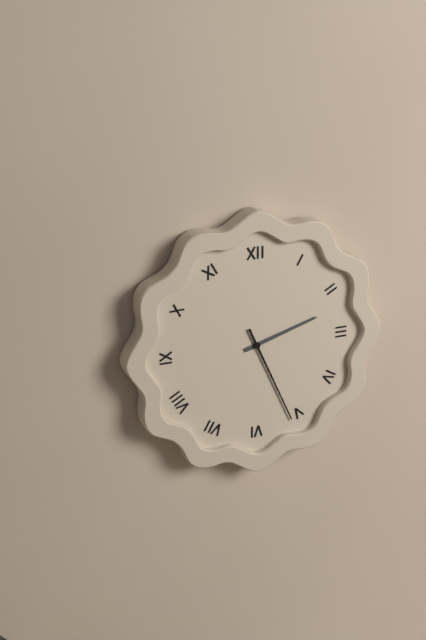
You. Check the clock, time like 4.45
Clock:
2.26
